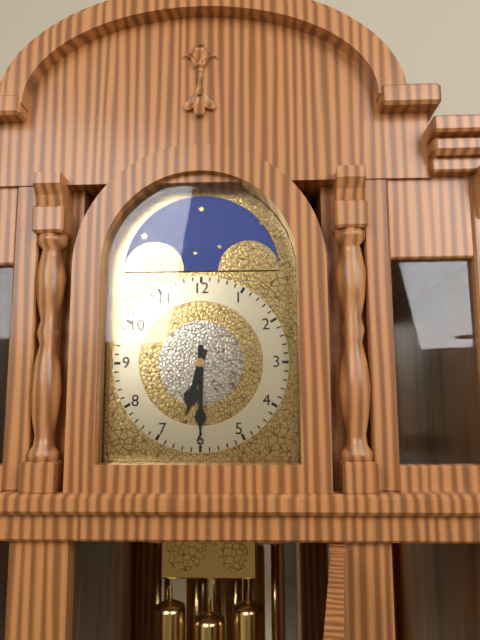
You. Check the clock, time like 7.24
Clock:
6.30
